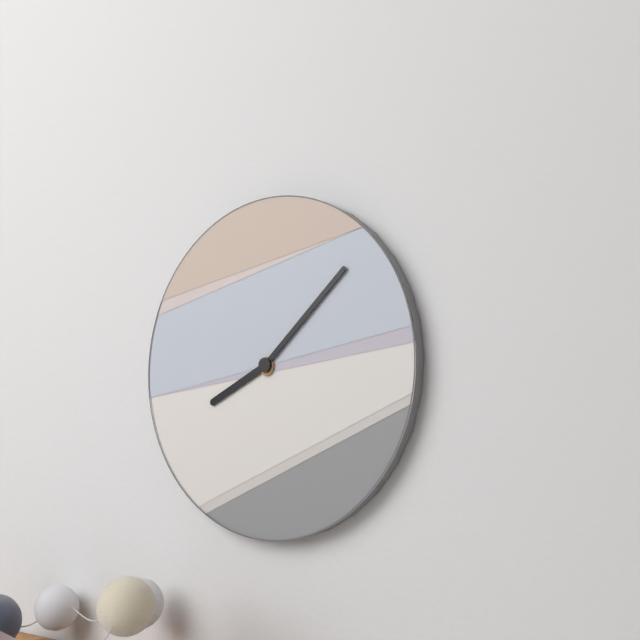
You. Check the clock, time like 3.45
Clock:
8.08
